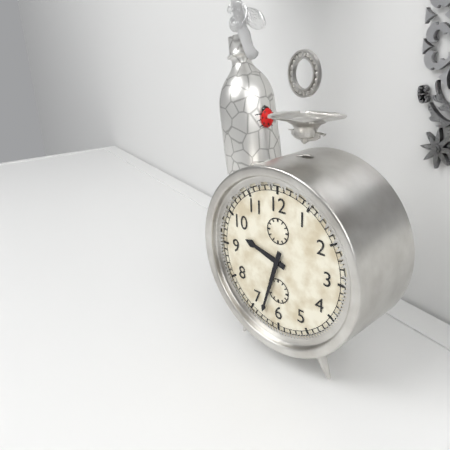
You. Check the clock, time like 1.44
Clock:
9.33
